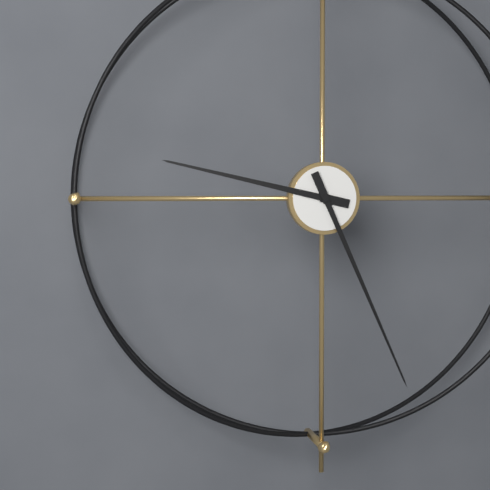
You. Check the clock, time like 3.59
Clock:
9.26
